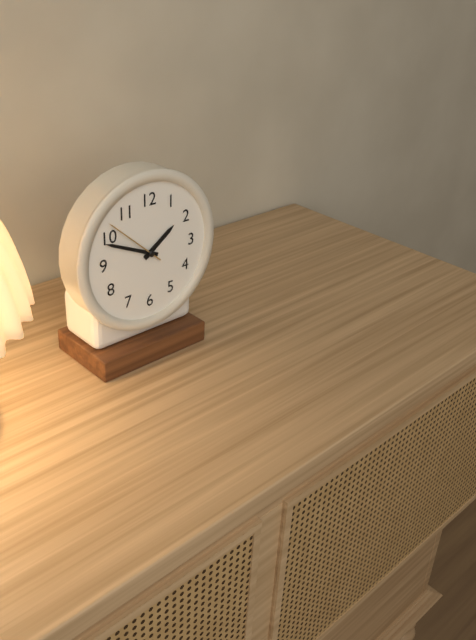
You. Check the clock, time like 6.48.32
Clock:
1.49.52
